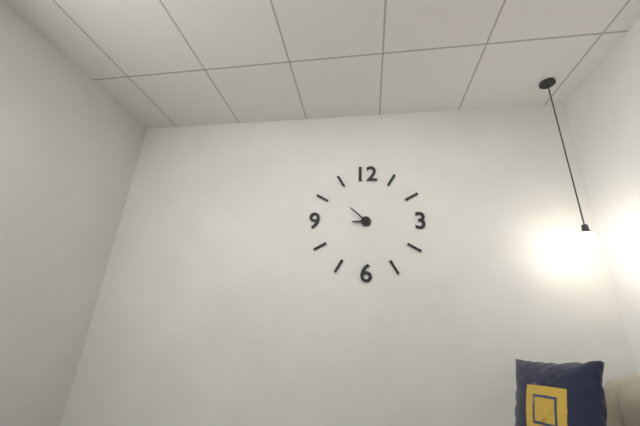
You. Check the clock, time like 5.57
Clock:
8.52
